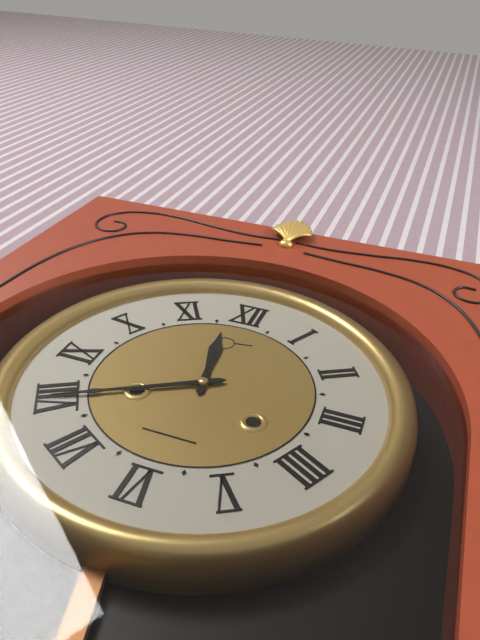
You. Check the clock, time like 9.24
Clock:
11.40
